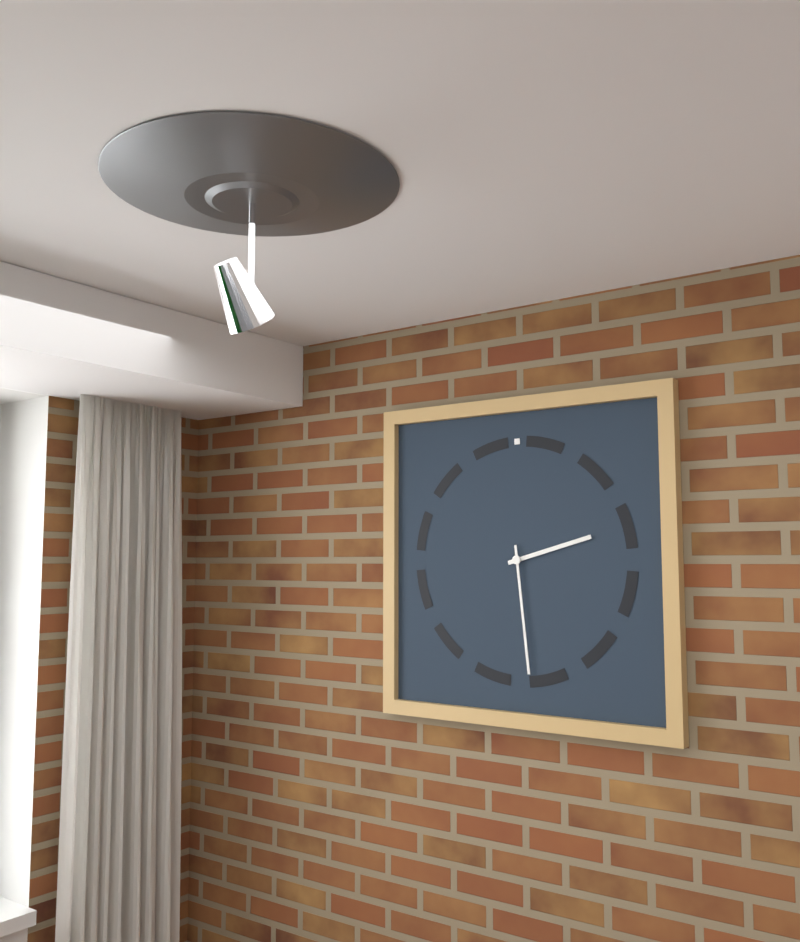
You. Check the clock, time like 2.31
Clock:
2.29
